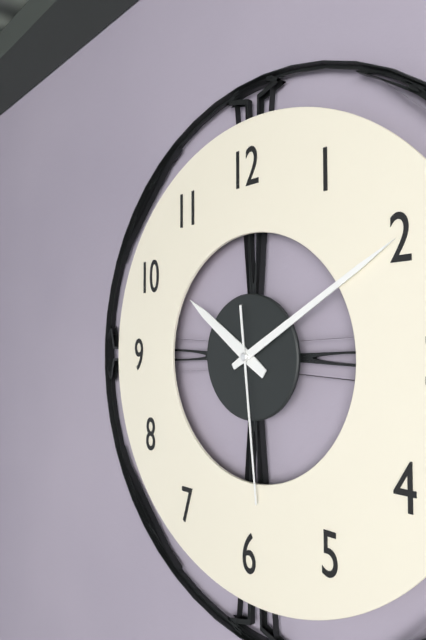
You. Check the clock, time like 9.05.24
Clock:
10.10.29
